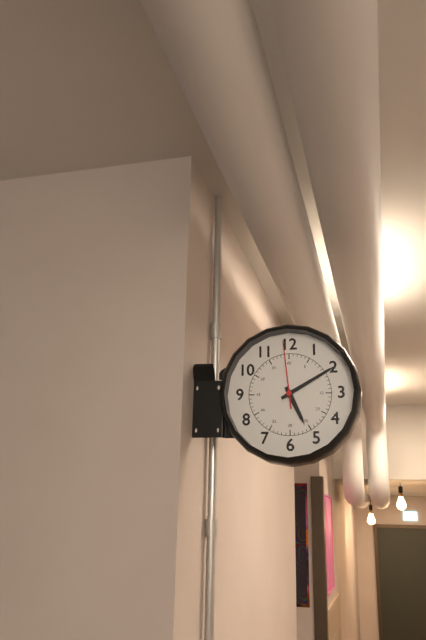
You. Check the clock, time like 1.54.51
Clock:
5.10.59
